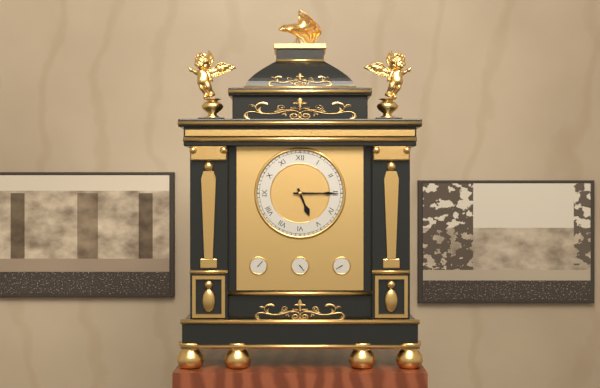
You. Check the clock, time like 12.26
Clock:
5.15
